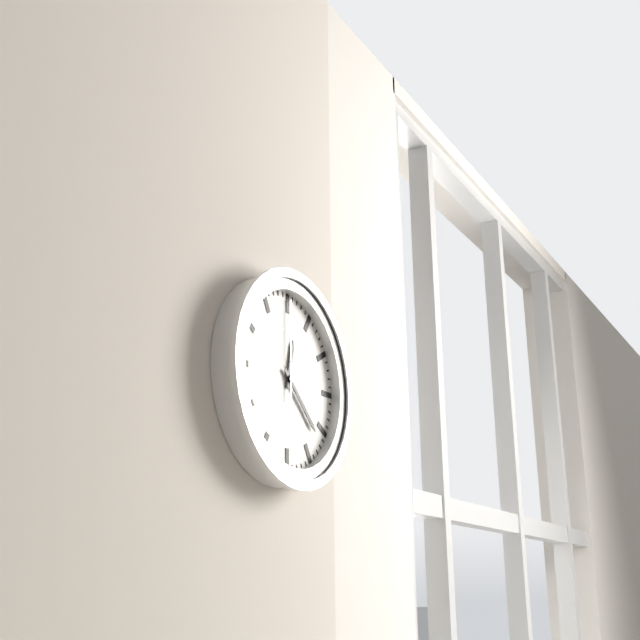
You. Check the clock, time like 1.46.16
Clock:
12.22.00
